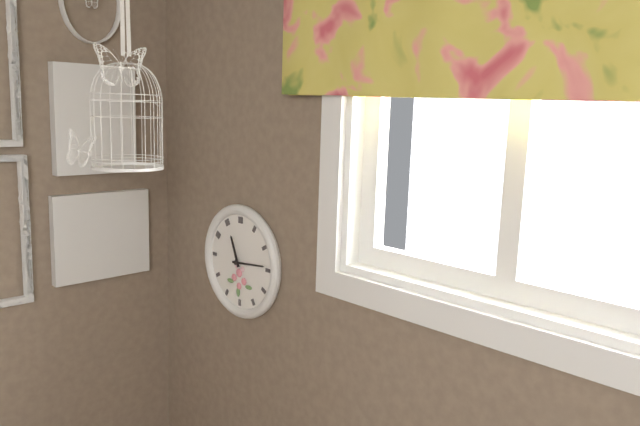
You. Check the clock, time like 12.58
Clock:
11.14
